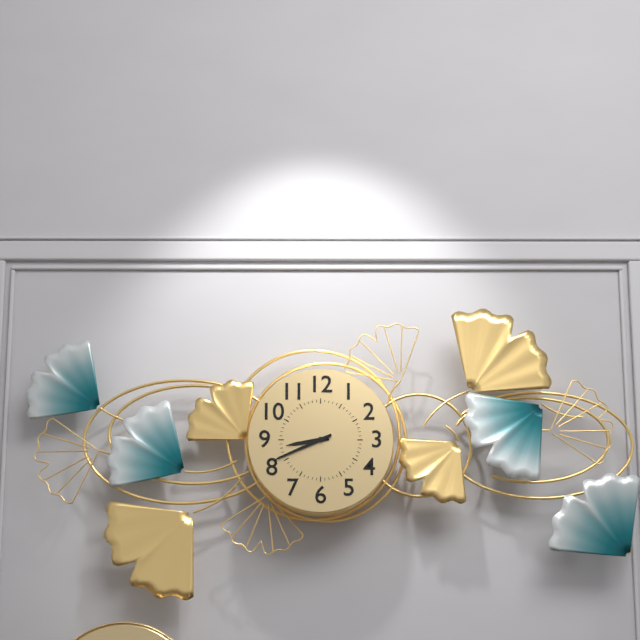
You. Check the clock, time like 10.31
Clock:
8.41
